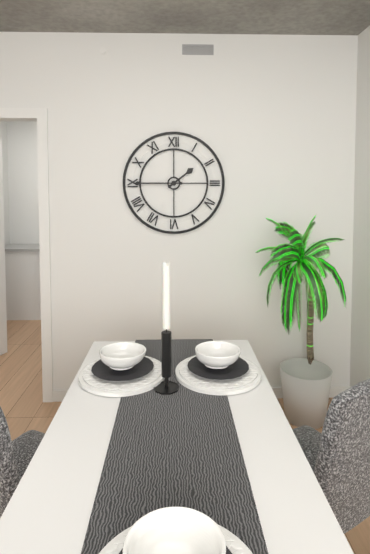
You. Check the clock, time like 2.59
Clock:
1.45
